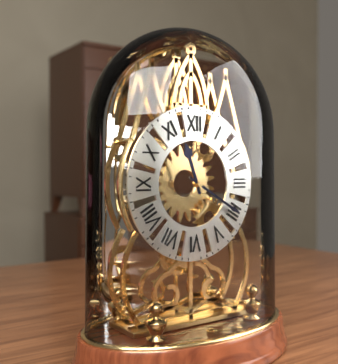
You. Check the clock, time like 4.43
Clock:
11.20
